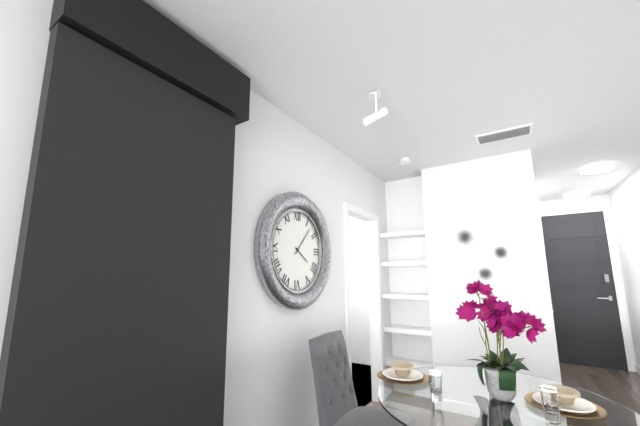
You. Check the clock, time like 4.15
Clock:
4.07
